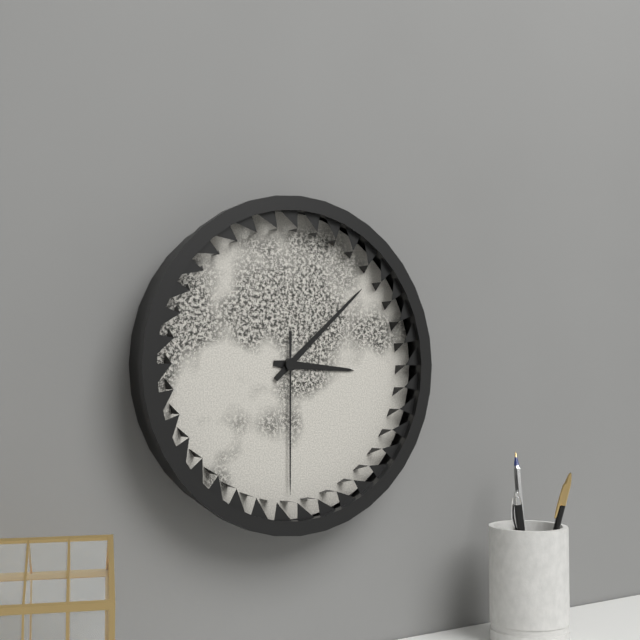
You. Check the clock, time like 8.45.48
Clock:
3.08.30
